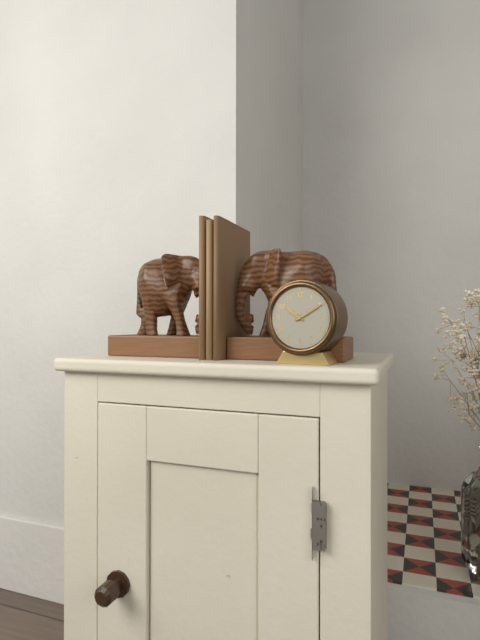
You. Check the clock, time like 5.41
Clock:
10.10
